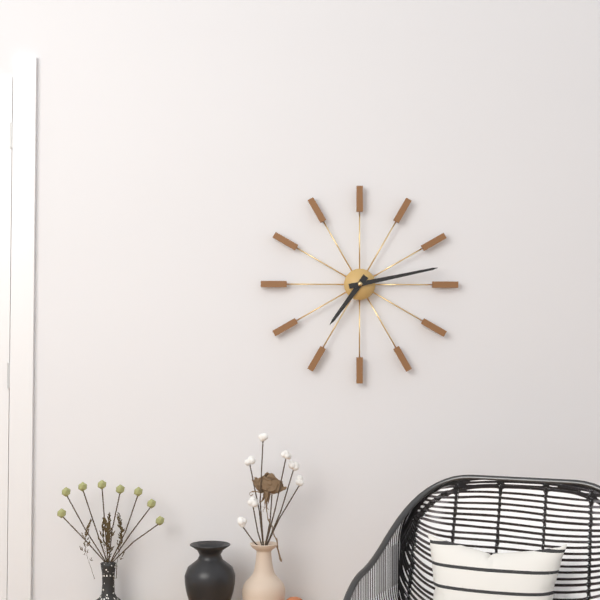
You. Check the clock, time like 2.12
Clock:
7.13
